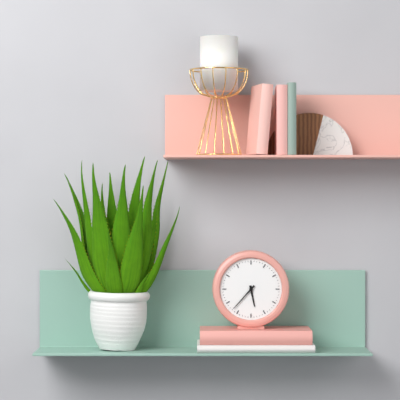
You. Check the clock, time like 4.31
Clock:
5.37
